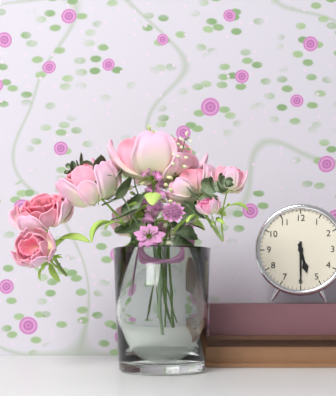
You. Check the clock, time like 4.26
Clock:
5.30
